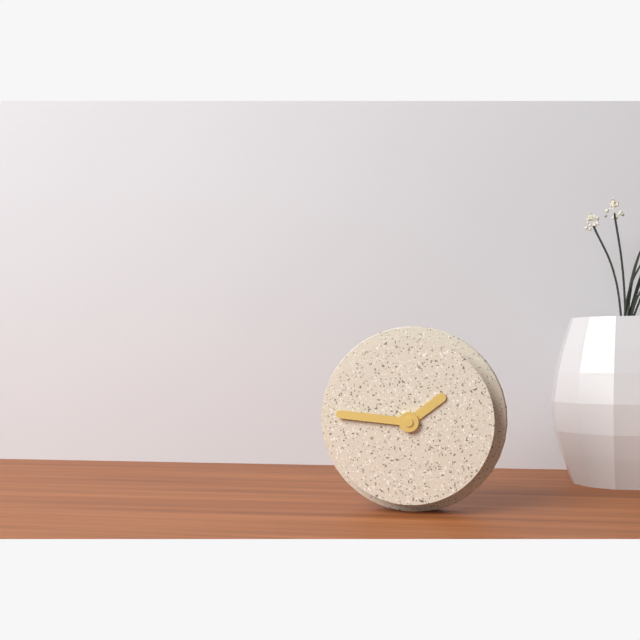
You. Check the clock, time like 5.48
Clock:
1.46
